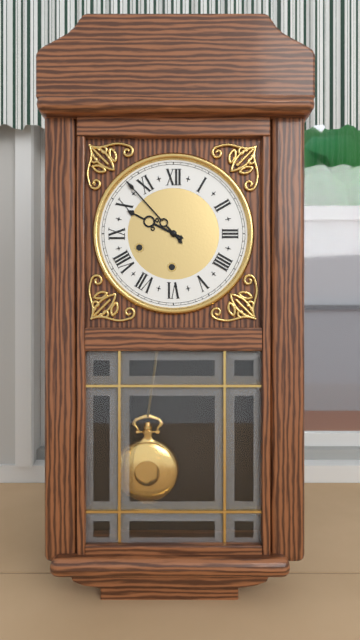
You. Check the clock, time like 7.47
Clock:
9.53
